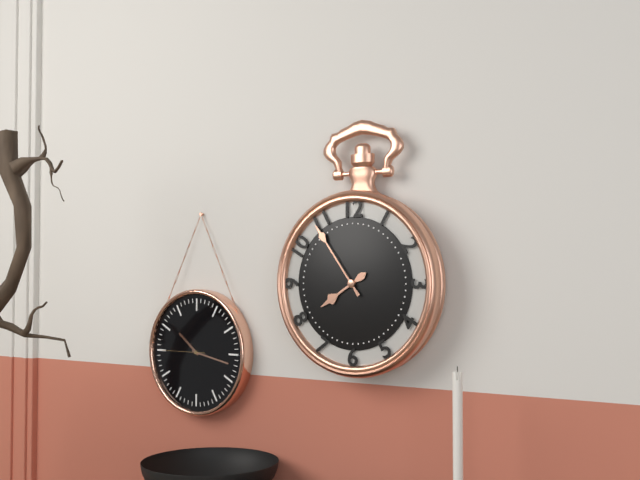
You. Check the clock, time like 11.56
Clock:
7.54
